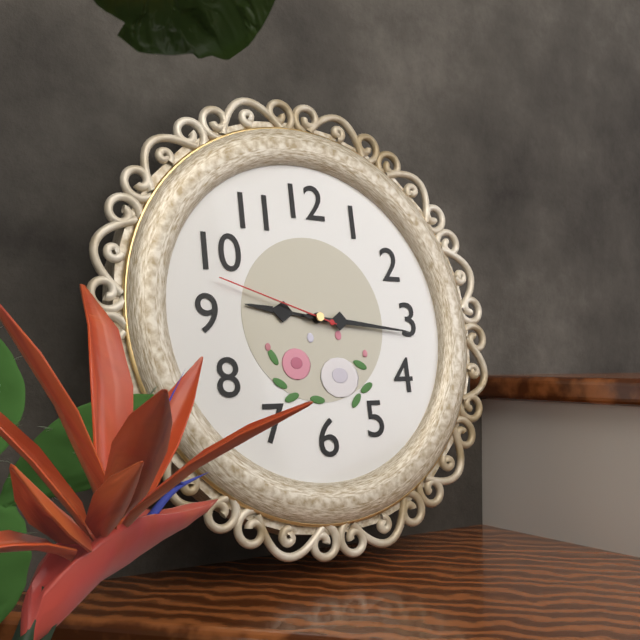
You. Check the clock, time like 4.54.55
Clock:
9.16.48
